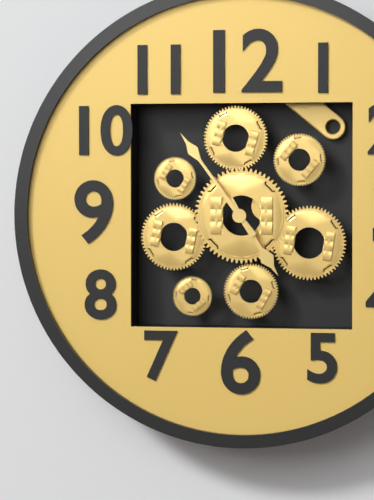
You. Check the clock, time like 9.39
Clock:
4.54
